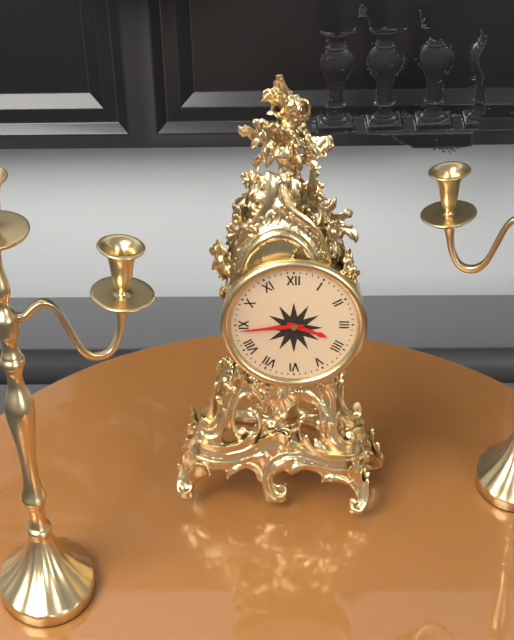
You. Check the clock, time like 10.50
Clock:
3.44
